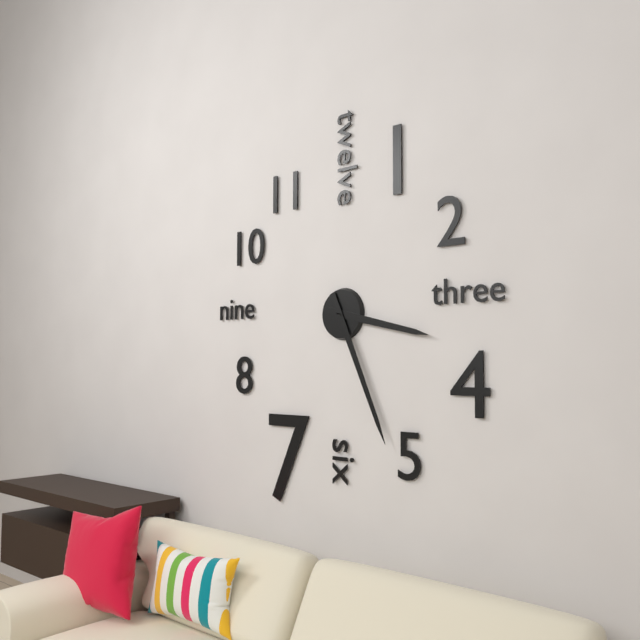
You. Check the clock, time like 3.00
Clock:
3.26
